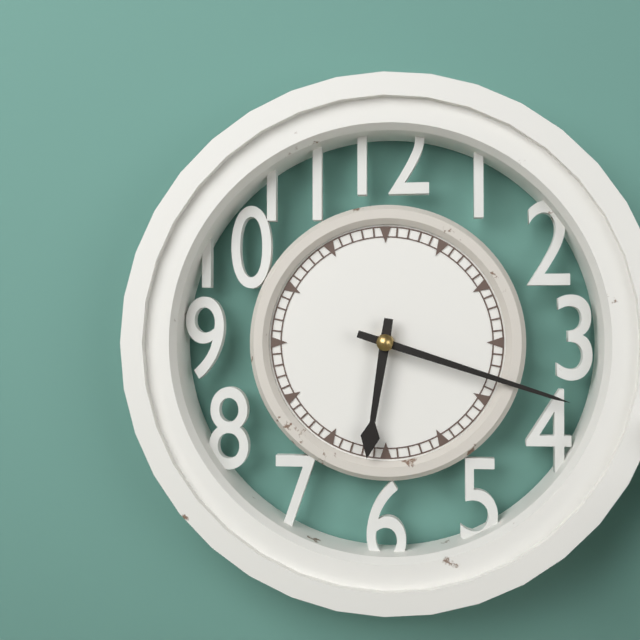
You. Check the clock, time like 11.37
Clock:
6.18
